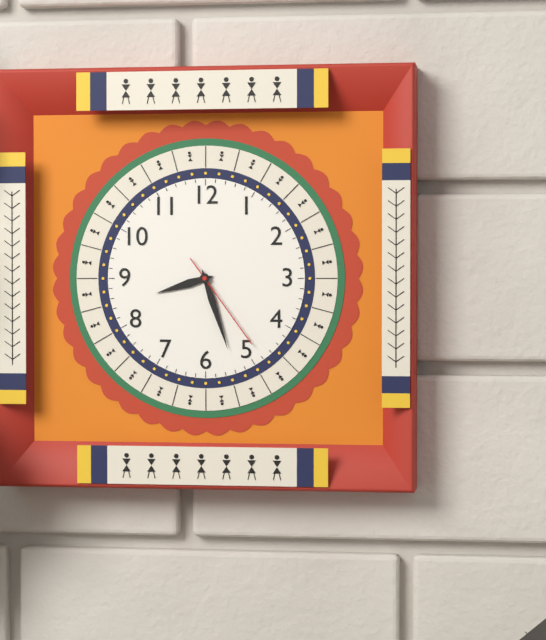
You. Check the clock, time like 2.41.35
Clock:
8.27.24
